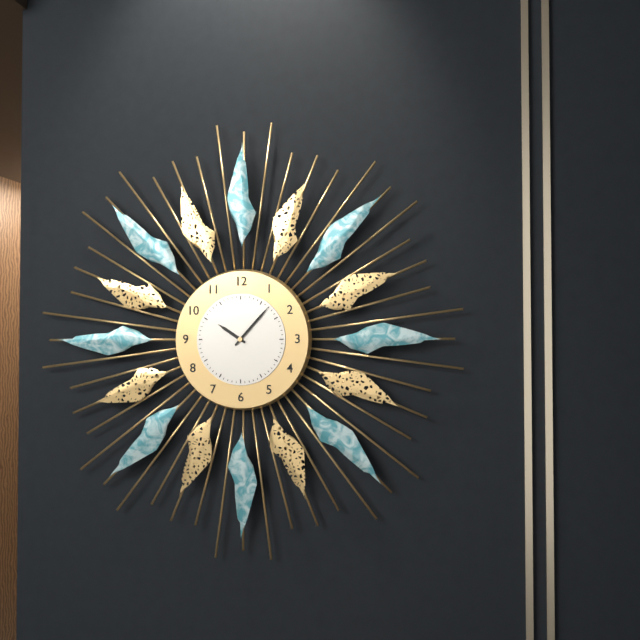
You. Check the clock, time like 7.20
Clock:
10.07
